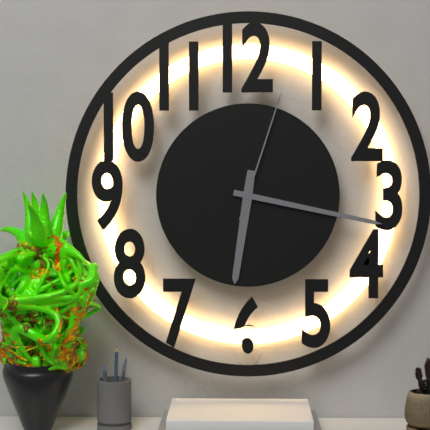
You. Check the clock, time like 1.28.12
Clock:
6.17.03
